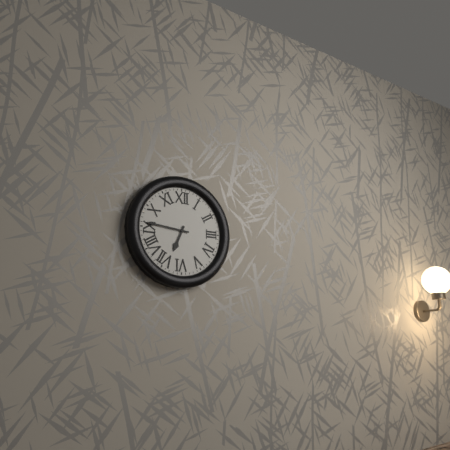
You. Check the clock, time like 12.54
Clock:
6.46
